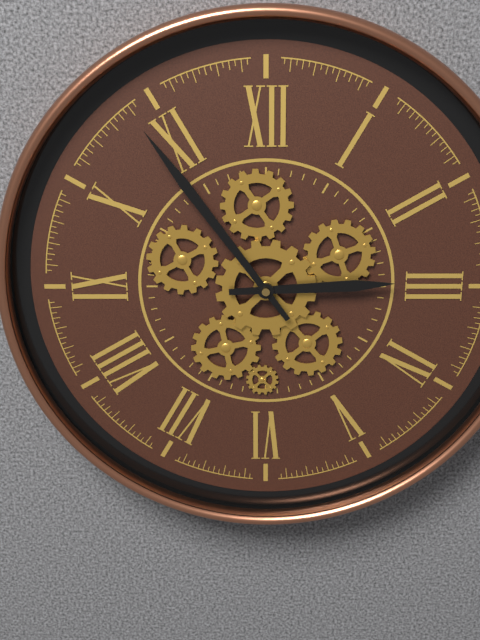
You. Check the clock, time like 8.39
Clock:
2.54
